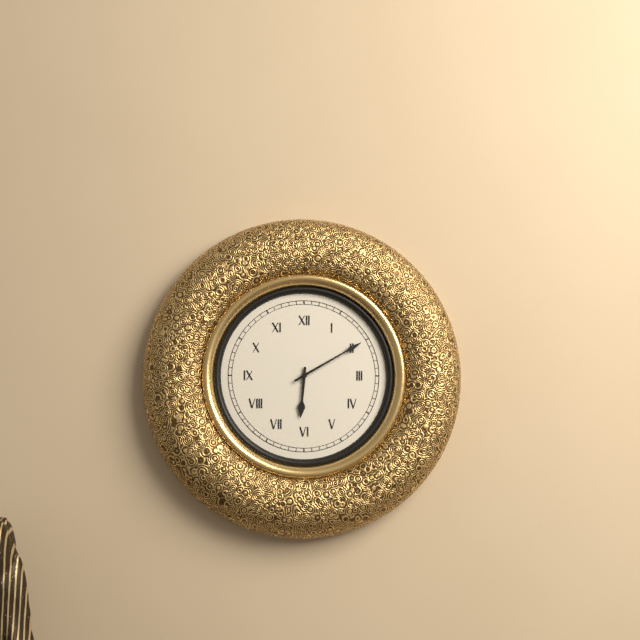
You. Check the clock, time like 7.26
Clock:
6.10
